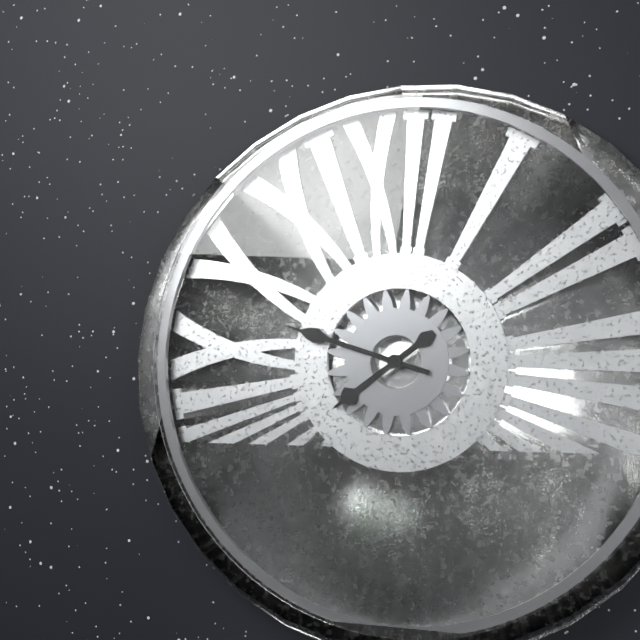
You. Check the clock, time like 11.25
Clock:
7.48
